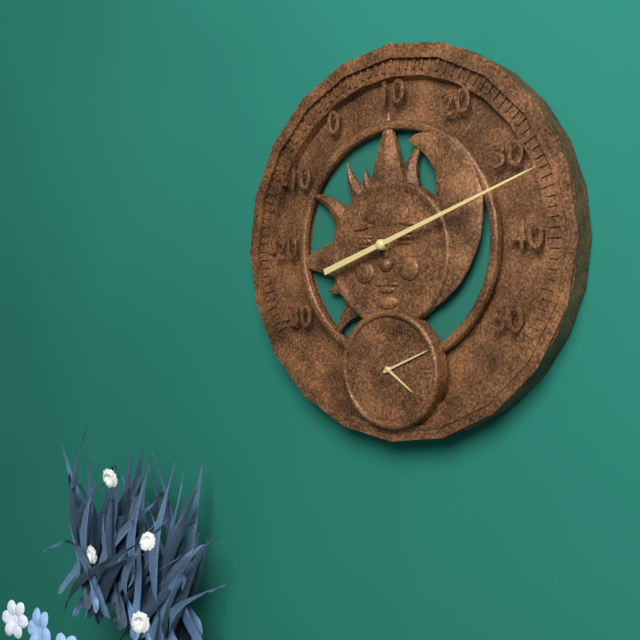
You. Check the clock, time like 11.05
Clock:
4.11
